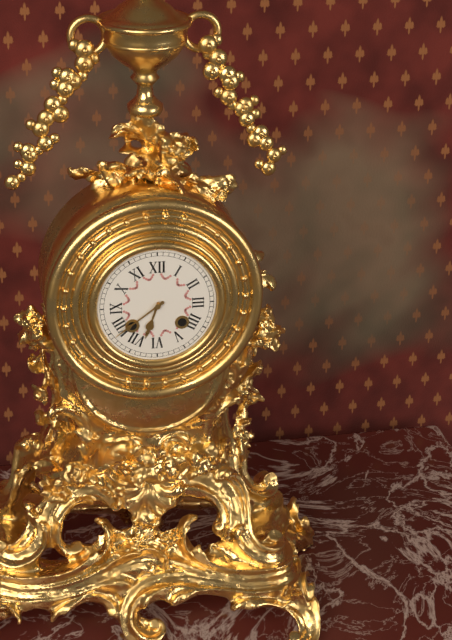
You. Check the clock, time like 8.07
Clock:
6.39
